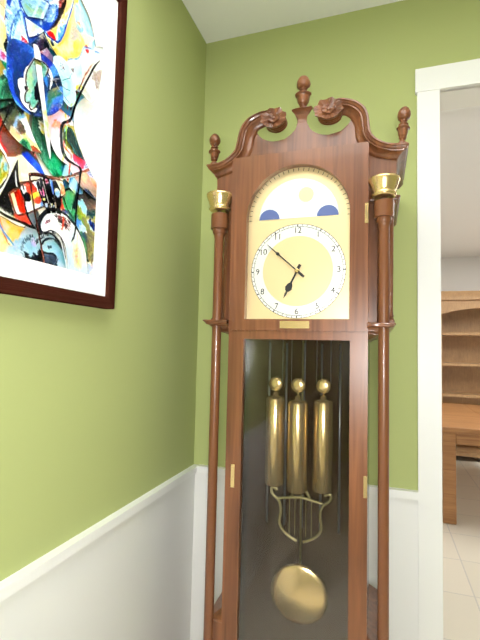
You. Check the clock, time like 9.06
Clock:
6.52
